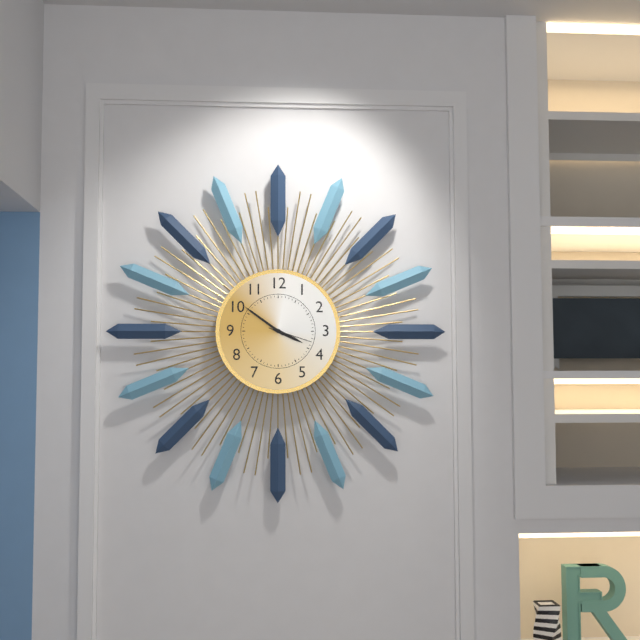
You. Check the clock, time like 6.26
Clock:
3.51
